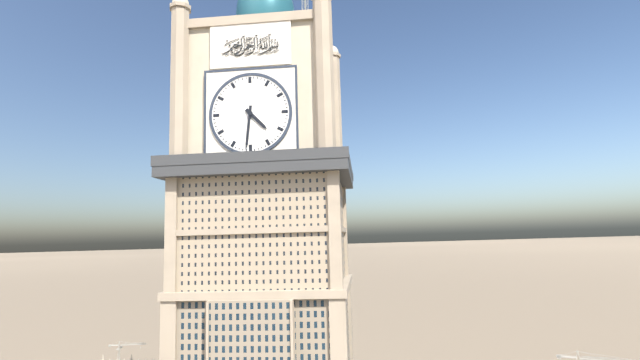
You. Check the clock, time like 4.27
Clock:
4.31
